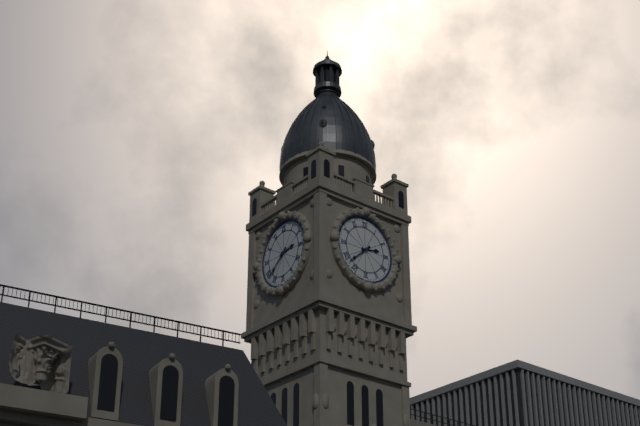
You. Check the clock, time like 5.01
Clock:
2.38
